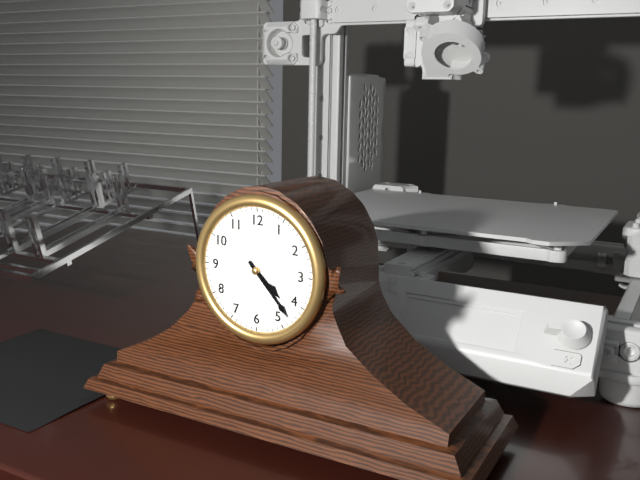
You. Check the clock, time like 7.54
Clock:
4.23
